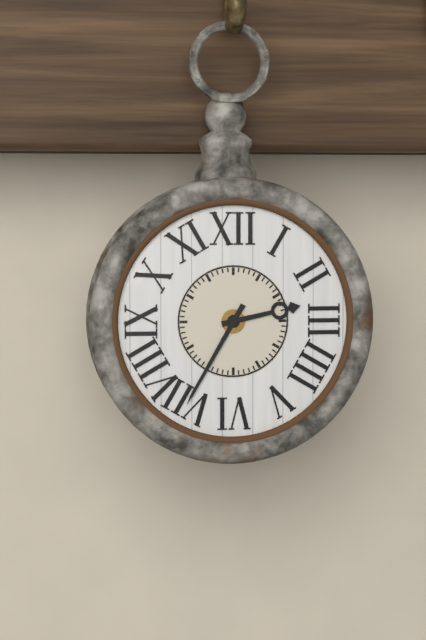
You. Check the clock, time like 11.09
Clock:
2.35
